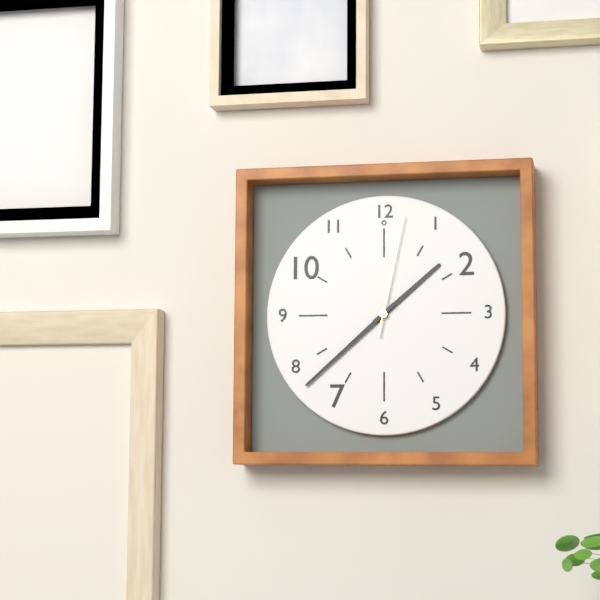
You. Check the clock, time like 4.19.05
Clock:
1.38.02
